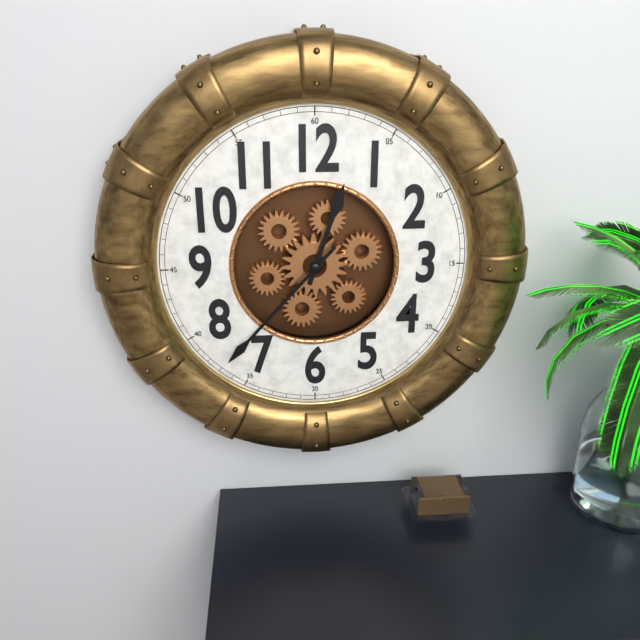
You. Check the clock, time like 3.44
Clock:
12.37
